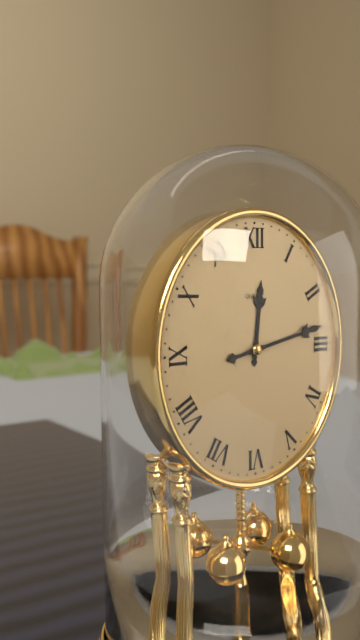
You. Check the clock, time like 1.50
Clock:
12.13
